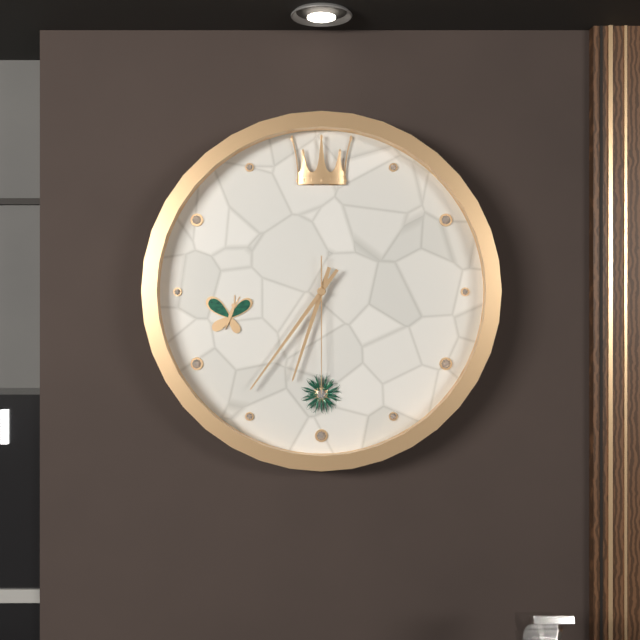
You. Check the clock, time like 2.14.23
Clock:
6.36.30
